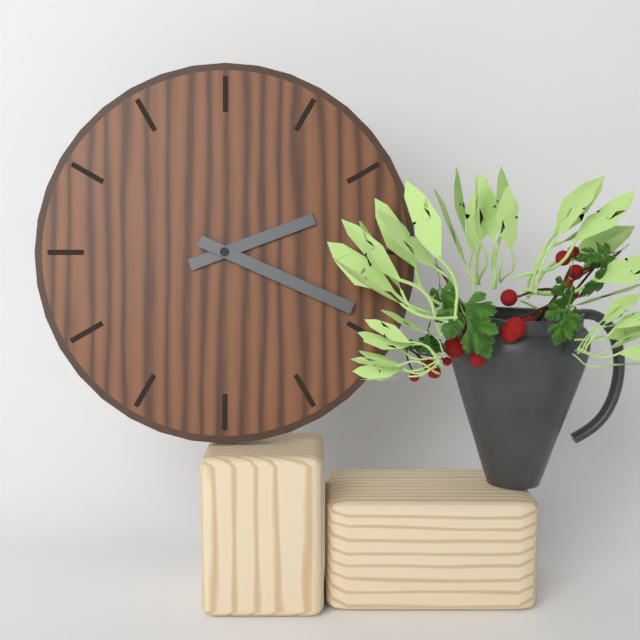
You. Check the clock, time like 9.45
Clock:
2.19
